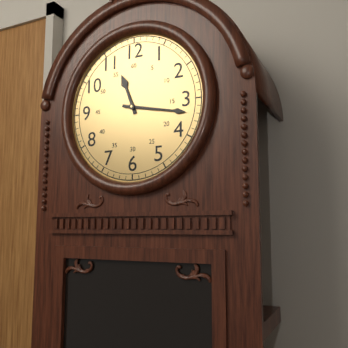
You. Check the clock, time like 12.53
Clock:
11.17
